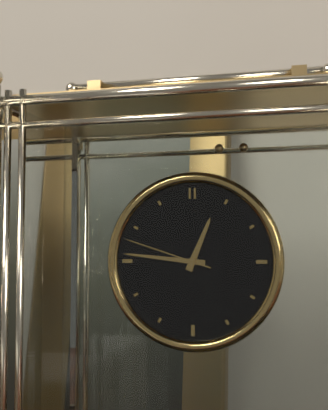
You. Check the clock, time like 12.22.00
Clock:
12.46.48
